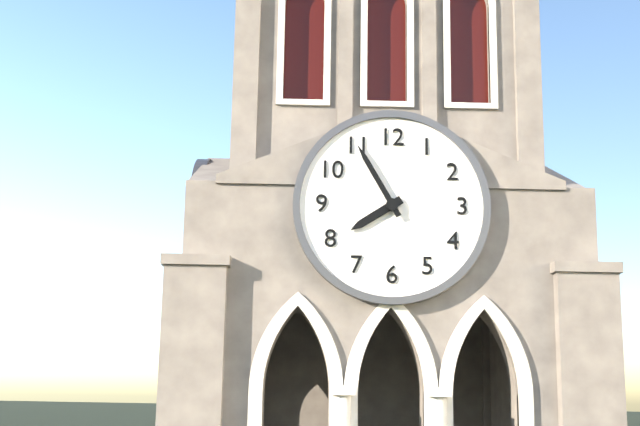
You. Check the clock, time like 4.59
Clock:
7.55
